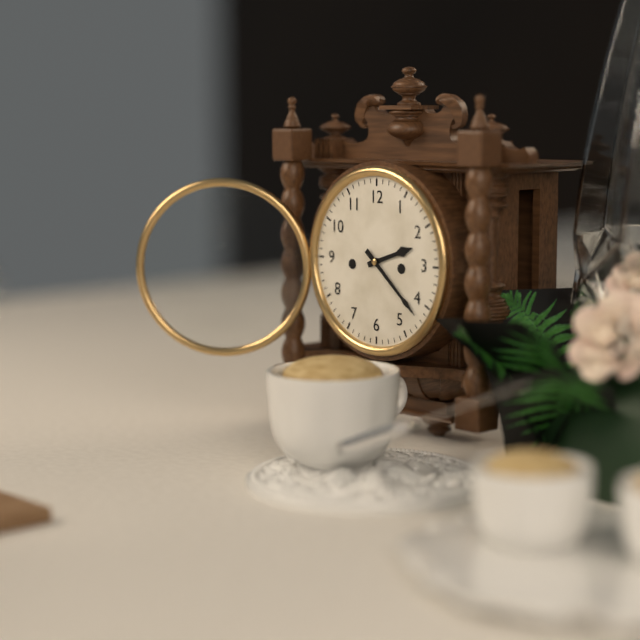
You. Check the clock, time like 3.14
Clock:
2.22
